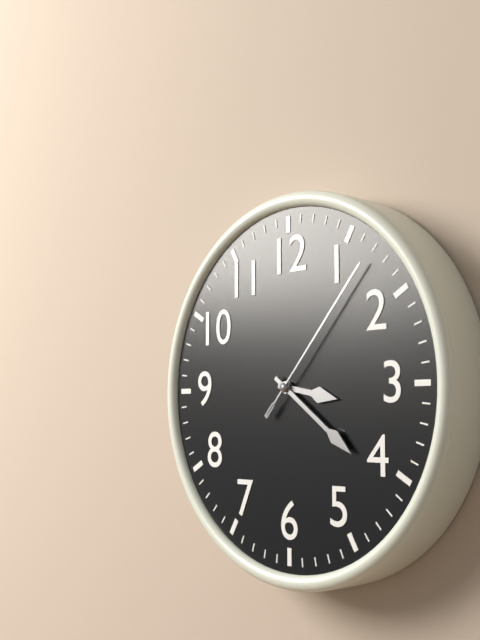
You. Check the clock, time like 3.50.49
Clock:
3.21.07
